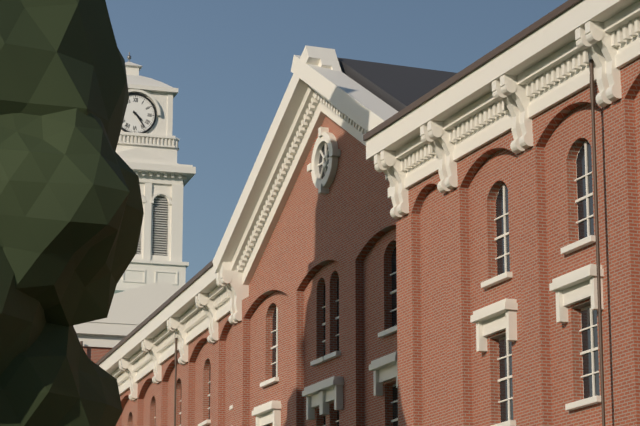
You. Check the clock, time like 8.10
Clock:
4.24
